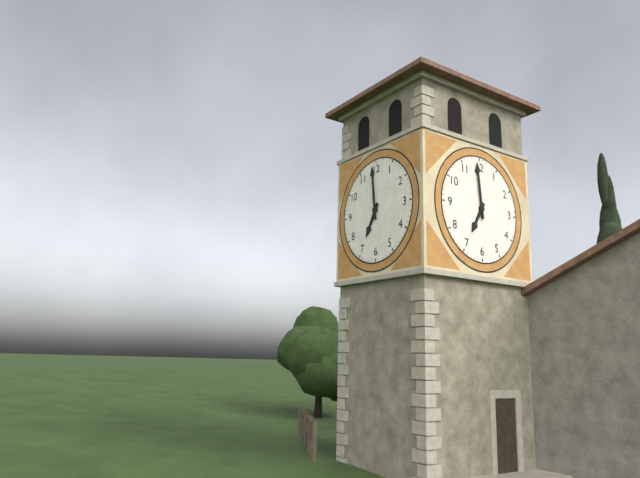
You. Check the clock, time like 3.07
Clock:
6.59
